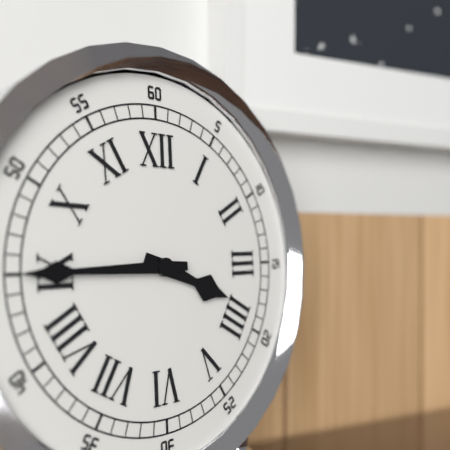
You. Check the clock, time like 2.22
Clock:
3.45
